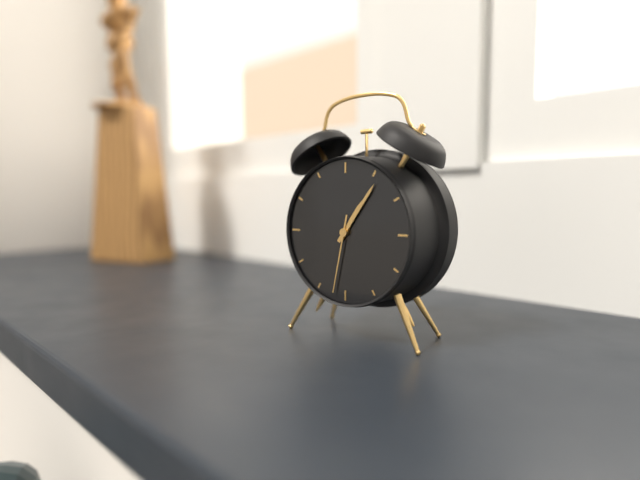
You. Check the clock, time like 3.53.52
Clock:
1.06.32
